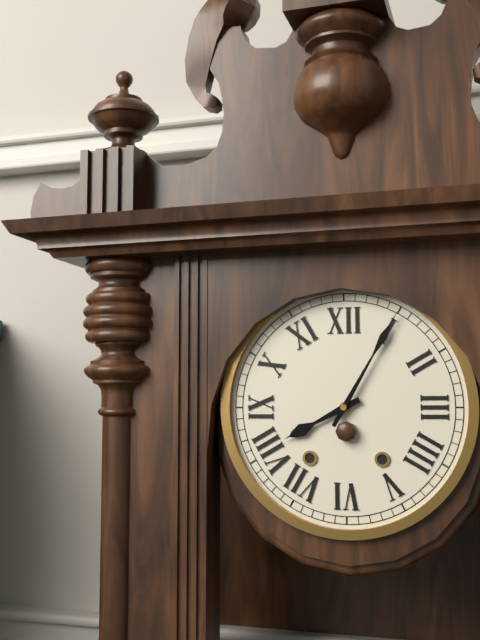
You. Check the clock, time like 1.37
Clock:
8.05
